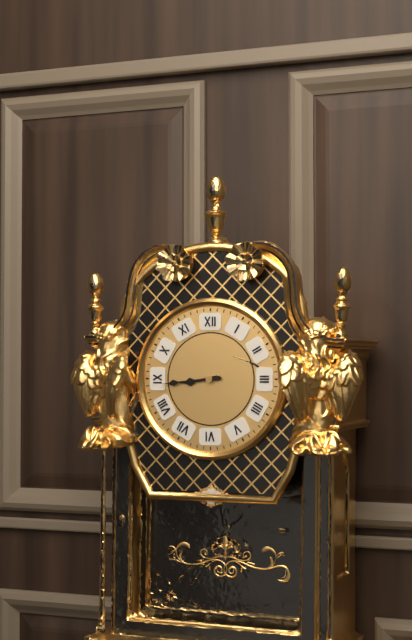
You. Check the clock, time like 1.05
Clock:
8.44
